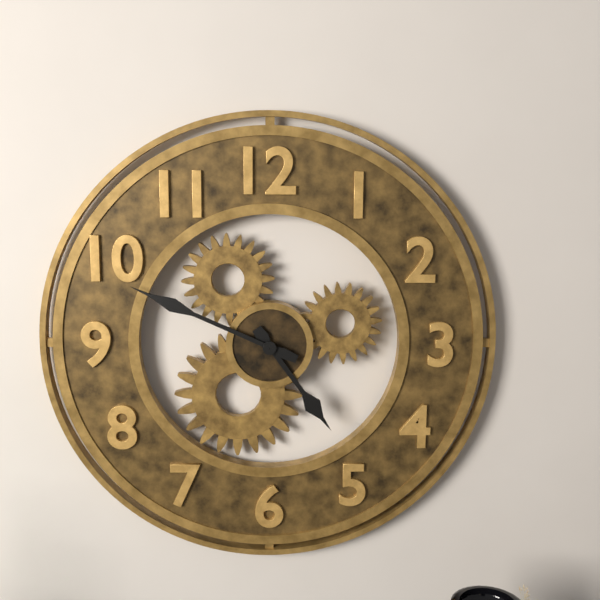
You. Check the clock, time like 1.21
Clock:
4.49
